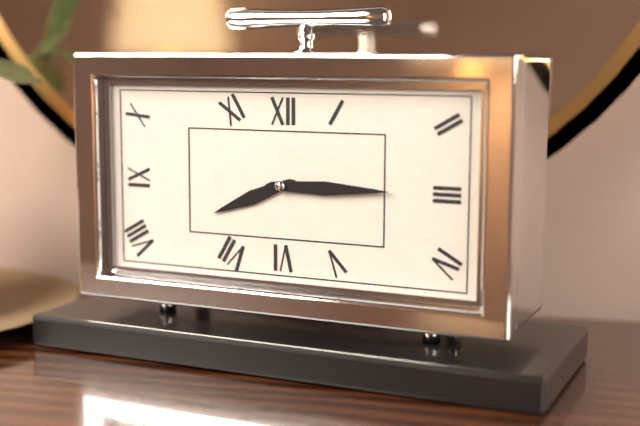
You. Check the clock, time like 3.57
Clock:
8.15
